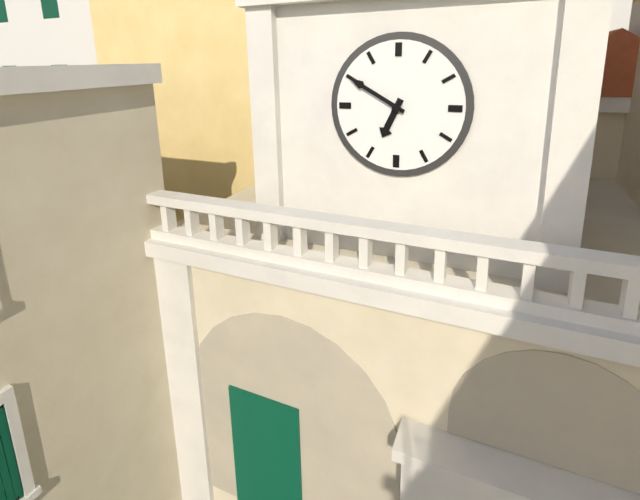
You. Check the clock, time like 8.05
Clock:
6.50
